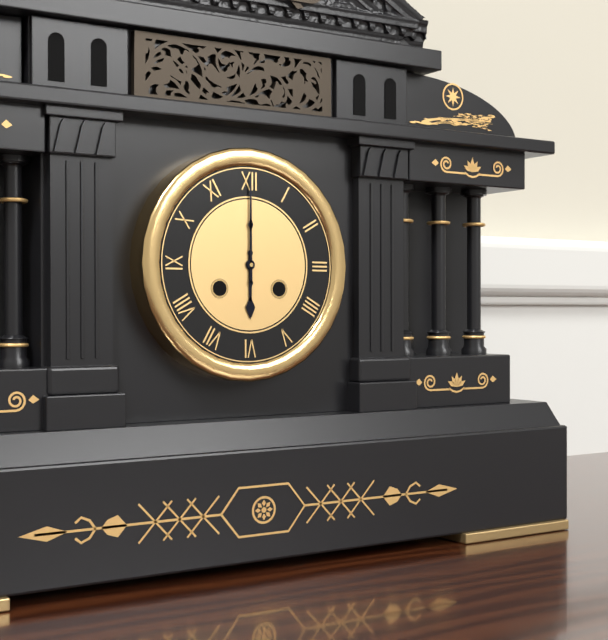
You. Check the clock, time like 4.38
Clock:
6.00
